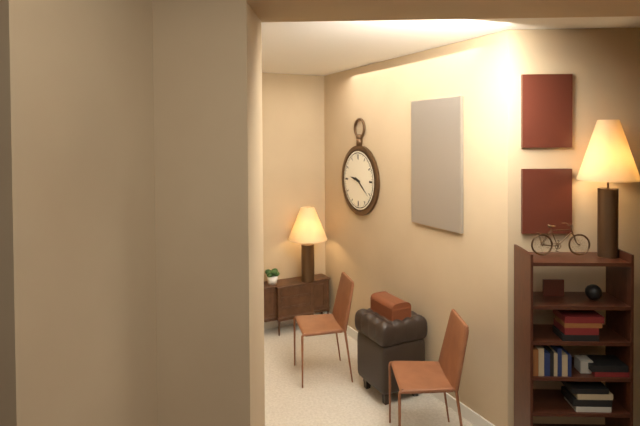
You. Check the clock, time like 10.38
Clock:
9.21
